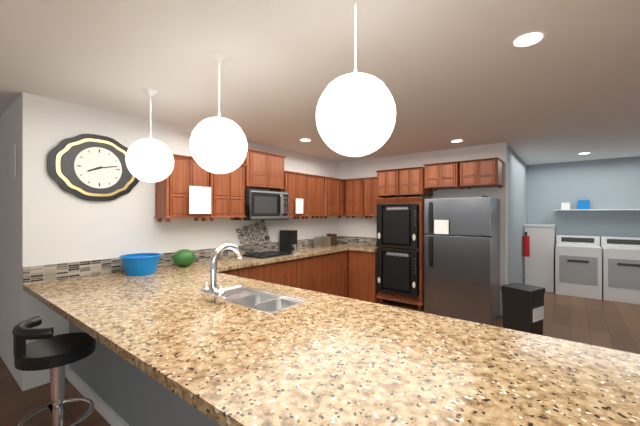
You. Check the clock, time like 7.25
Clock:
8.13
